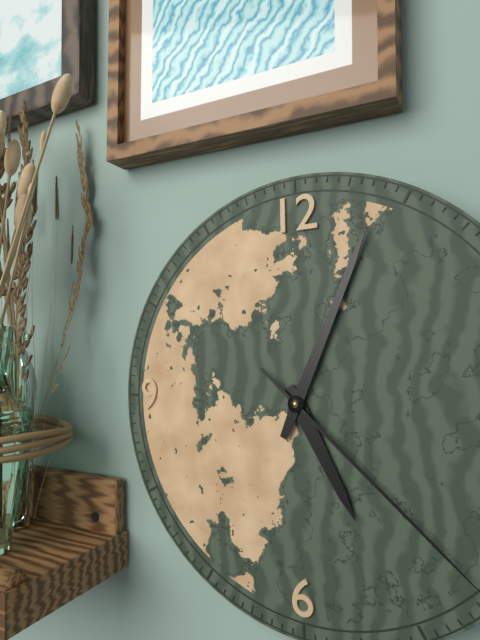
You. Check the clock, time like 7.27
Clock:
5.04
